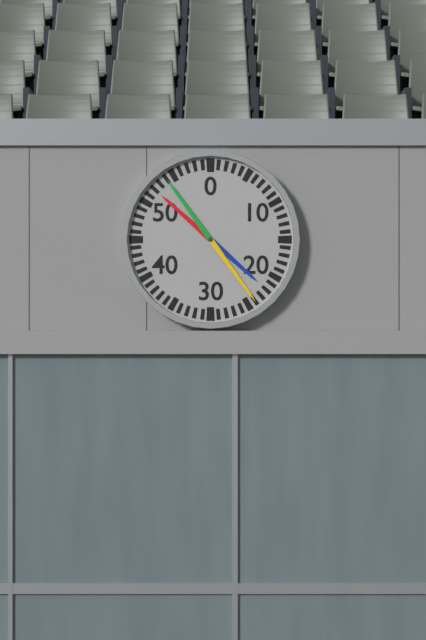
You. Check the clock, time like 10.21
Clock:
10.24
